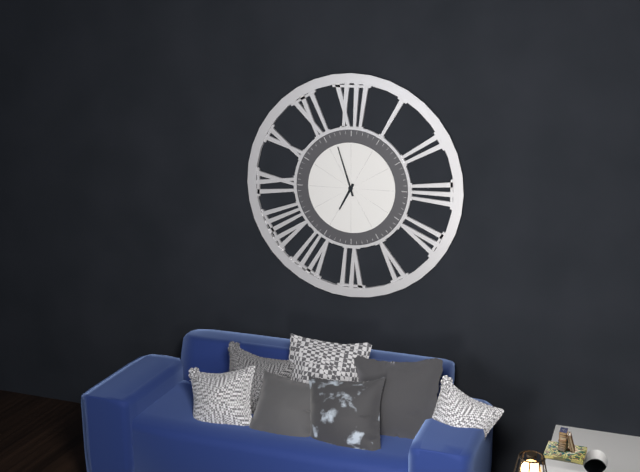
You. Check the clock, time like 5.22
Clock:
6.57
